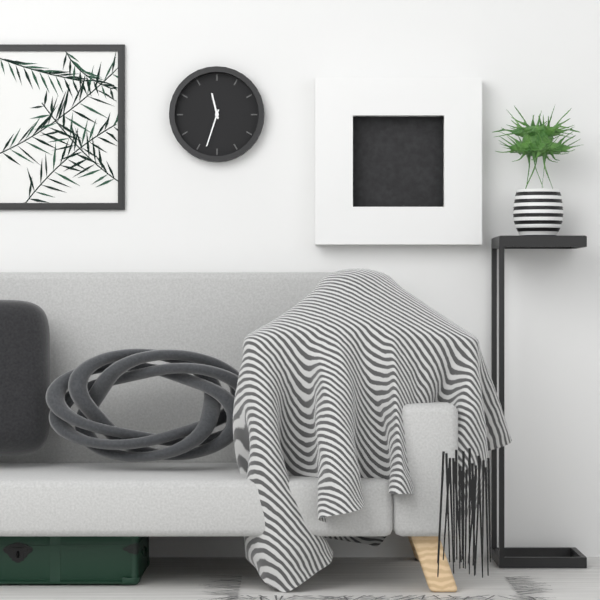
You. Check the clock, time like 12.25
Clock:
11.33
